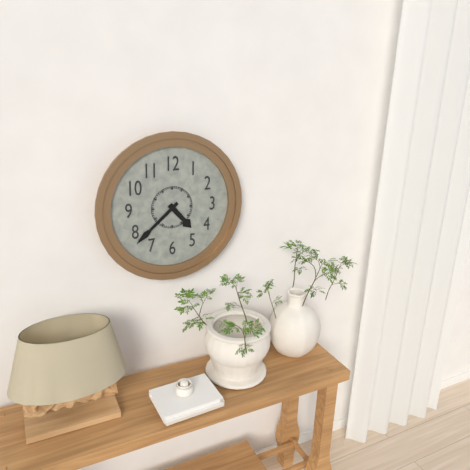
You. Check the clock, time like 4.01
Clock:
4.38
